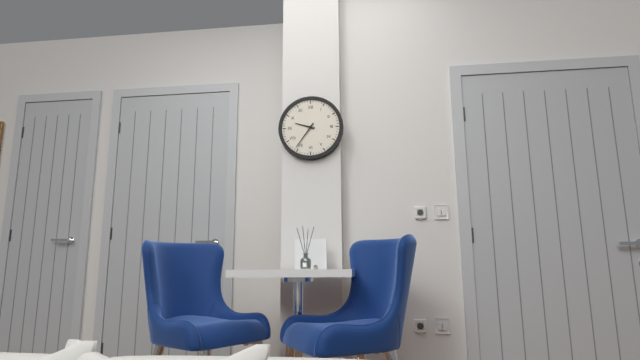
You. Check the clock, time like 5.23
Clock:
9.36
